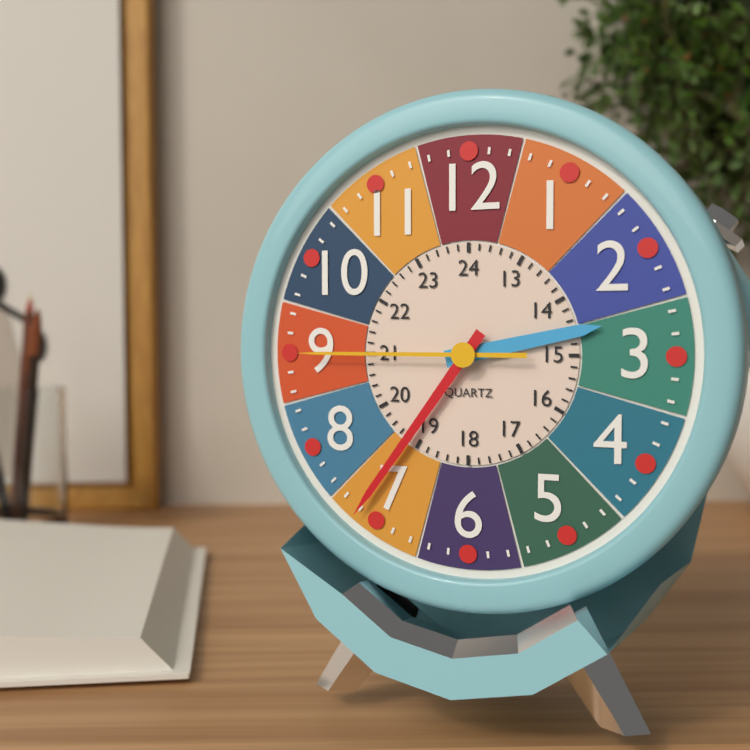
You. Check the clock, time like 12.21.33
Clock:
2.36.45
